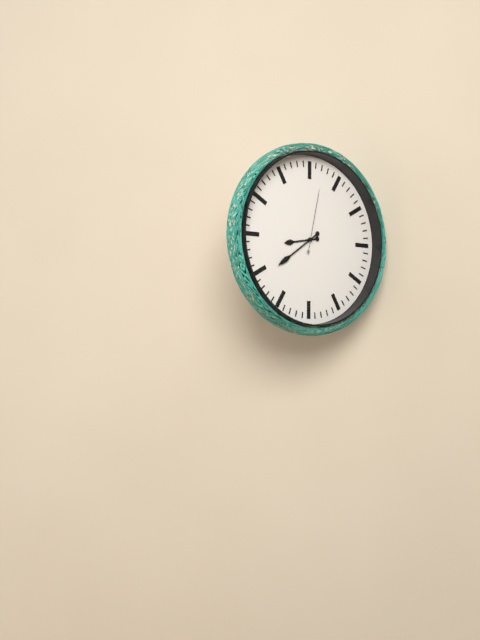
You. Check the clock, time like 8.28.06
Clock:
8.39.02
